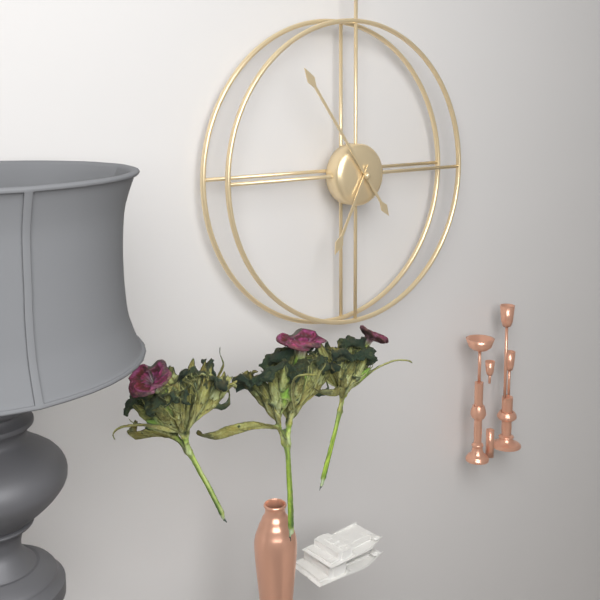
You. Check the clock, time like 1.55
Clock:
6.54
